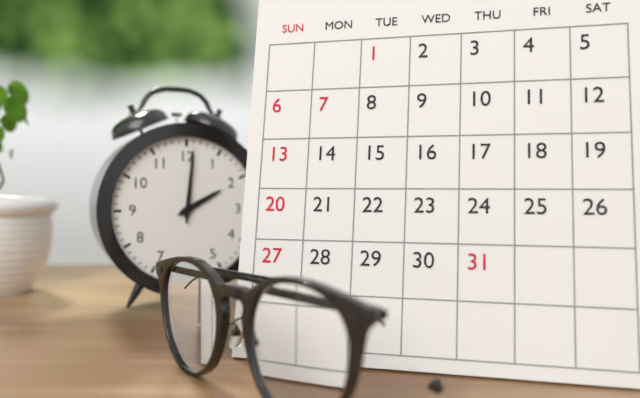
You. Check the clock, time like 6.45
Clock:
2.01
